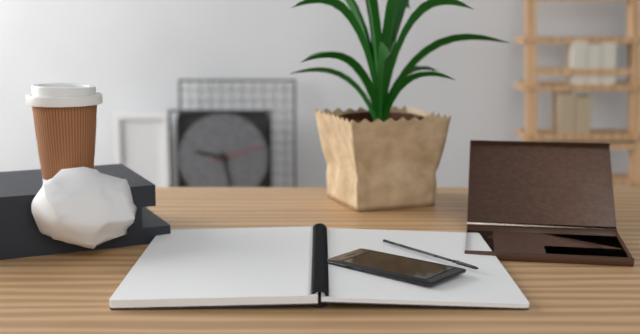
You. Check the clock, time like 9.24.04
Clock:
9.28.12
